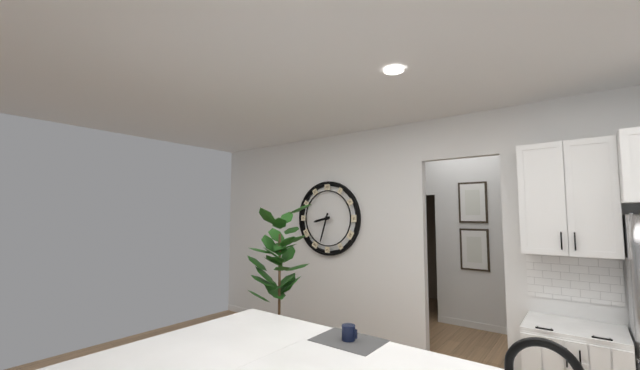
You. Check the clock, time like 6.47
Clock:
8.33
